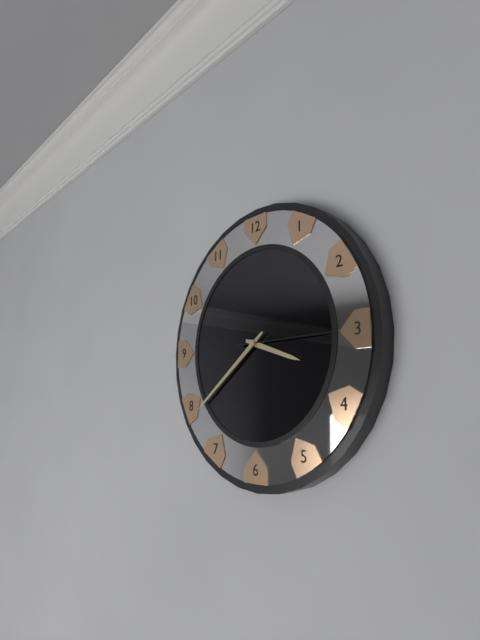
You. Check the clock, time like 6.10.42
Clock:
3.39.15
